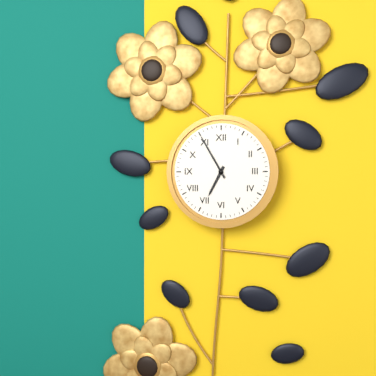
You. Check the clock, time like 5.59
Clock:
6.55
